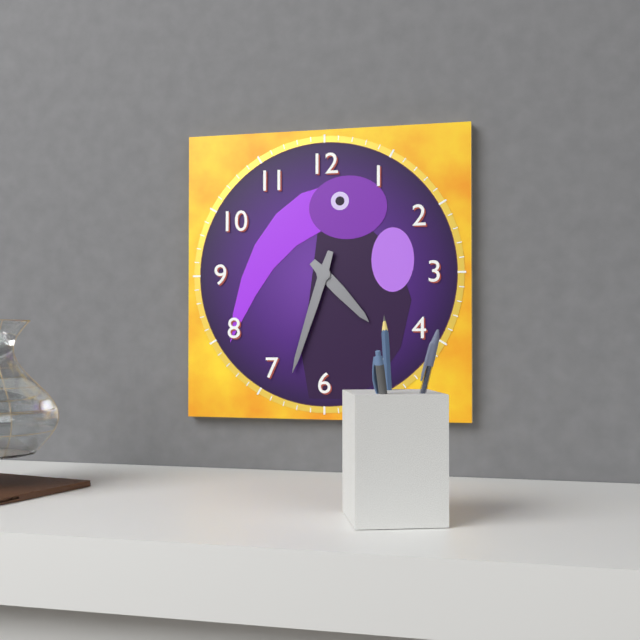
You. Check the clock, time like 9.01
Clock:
4.33
